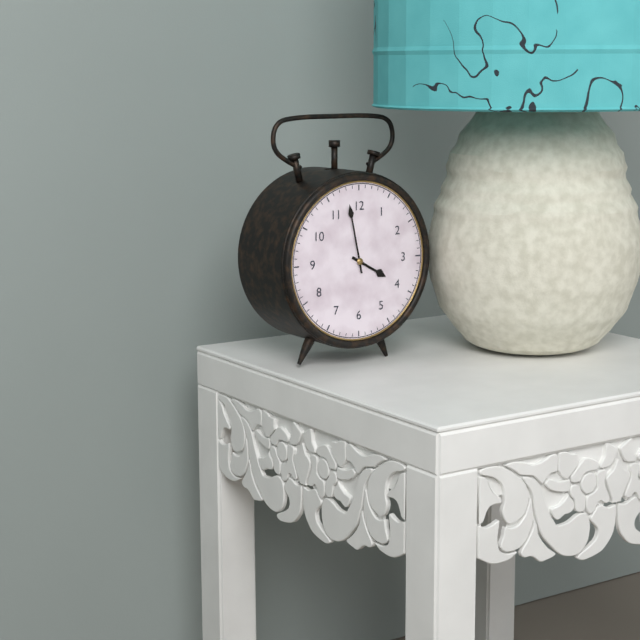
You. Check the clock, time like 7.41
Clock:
3.58
